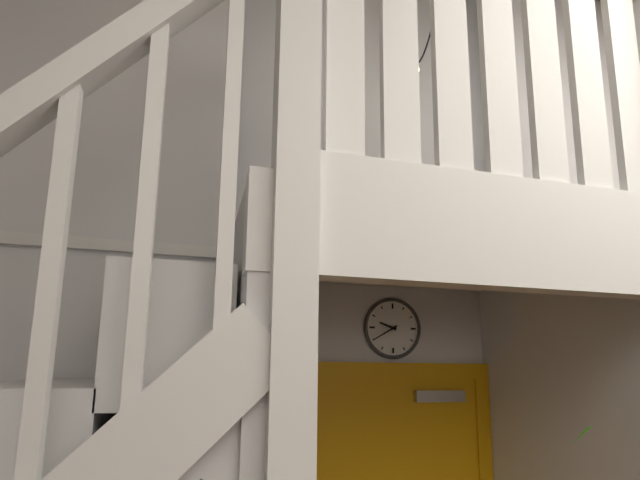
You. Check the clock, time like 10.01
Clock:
9.40
